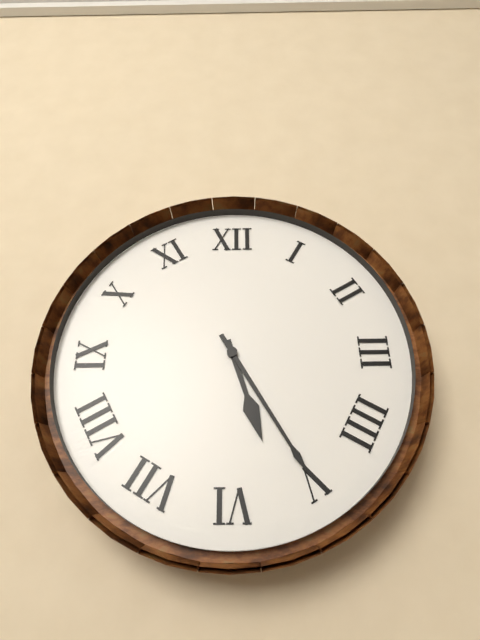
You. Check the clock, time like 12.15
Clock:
5.25
